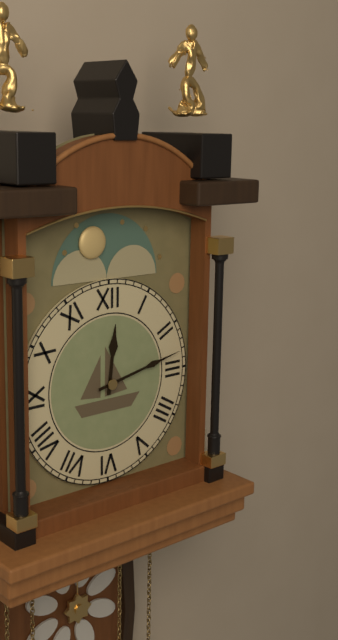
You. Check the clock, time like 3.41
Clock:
12.13
